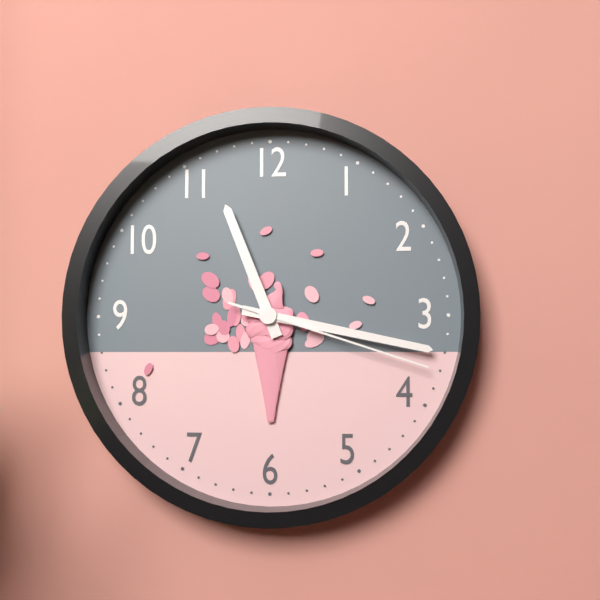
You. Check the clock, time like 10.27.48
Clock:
11.17.18
